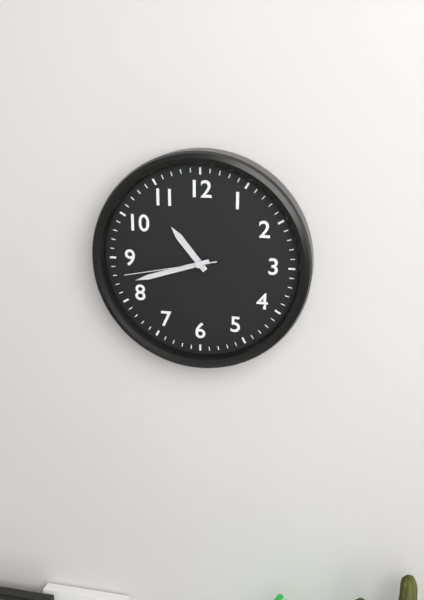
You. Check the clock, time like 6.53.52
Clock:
10.42.43
